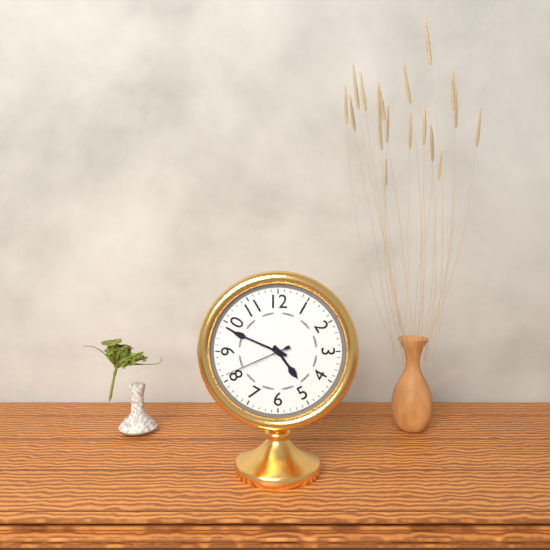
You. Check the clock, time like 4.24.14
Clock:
4.49.41
